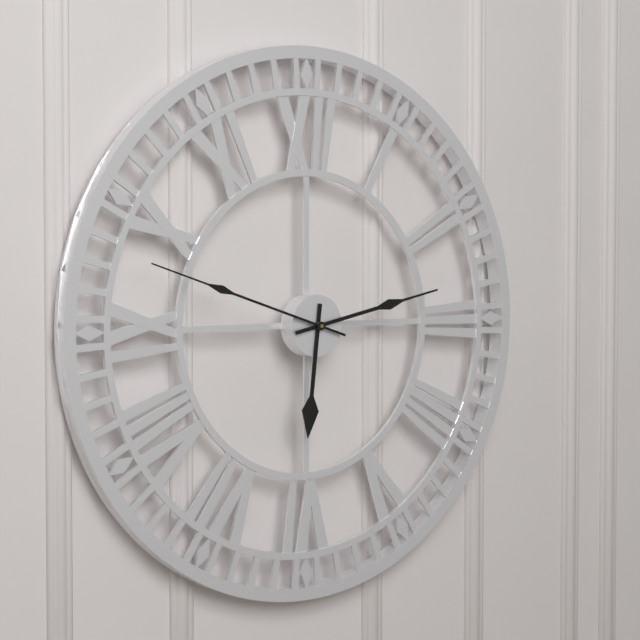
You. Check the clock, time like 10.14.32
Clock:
6.13.48
